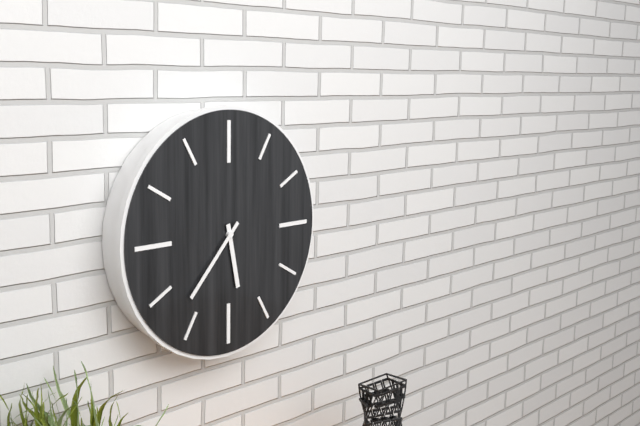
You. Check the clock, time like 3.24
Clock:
5.37
